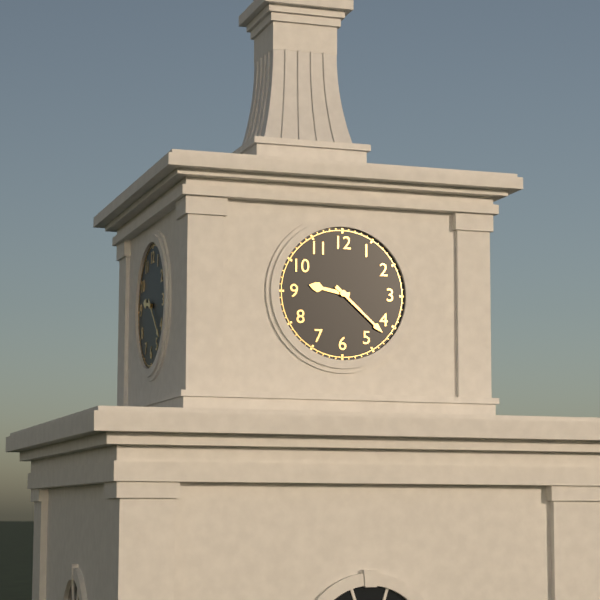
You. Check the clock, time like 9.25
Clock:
9.22
